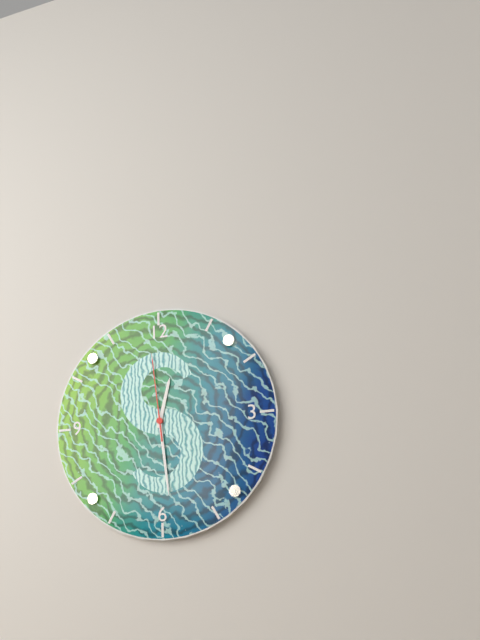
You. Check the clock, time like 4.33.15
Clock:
12.29.59
